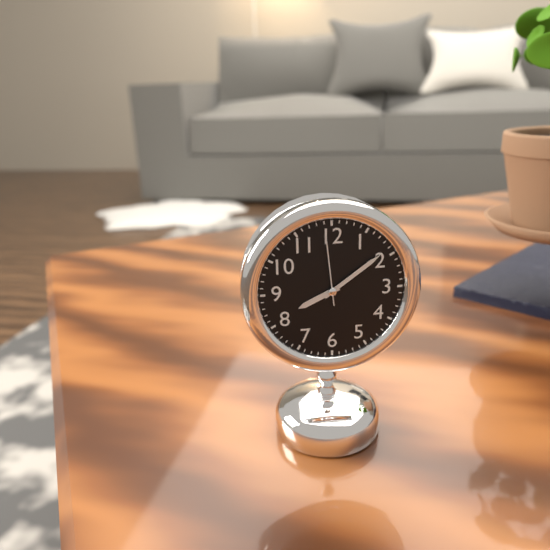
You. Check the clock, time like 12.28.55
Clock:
8.09.59
